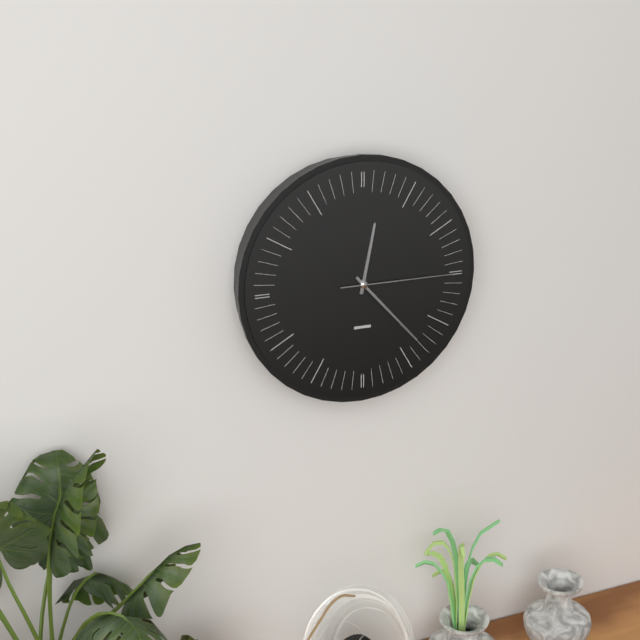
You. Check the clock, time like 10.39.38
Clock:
12.23.15
